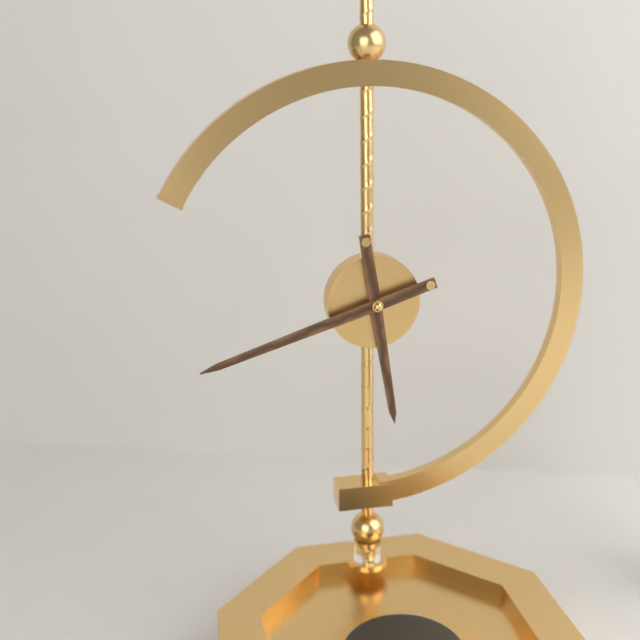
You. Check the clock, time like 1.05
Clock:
5.42
